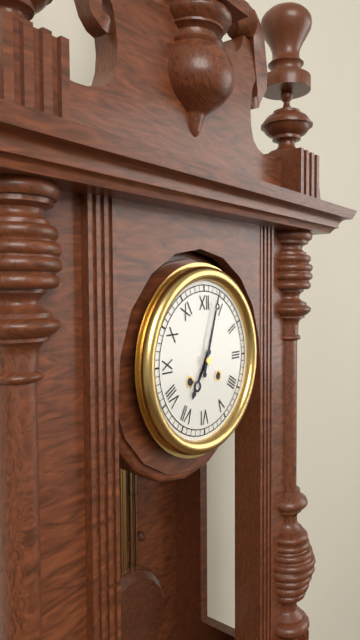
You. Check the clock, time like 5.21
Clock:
7.03
